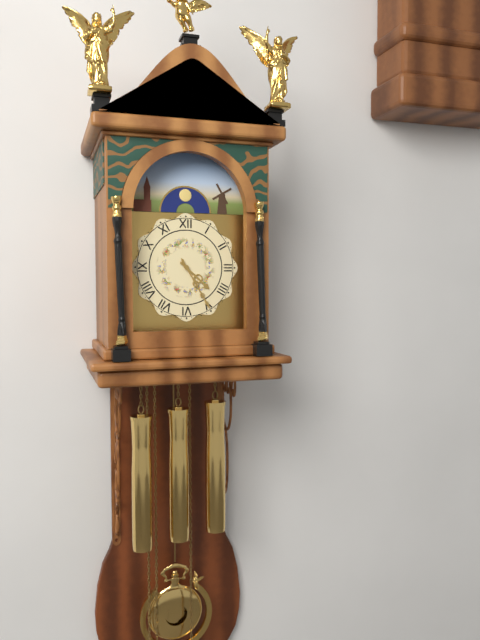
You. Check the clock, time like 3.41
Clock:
4.25
